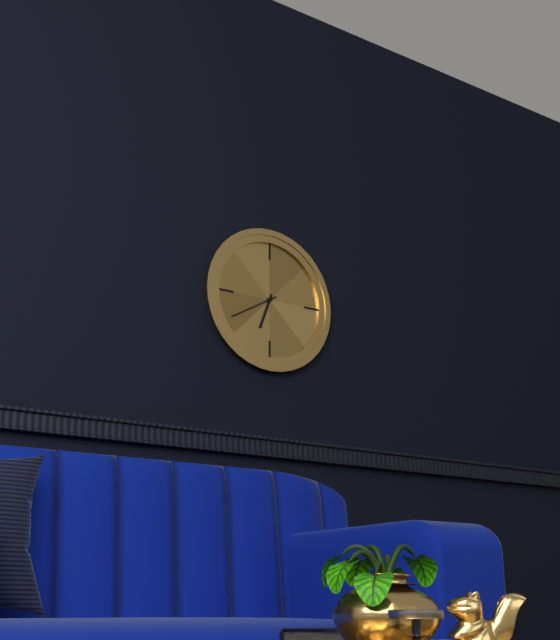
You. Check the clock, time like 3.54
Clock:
6.40
